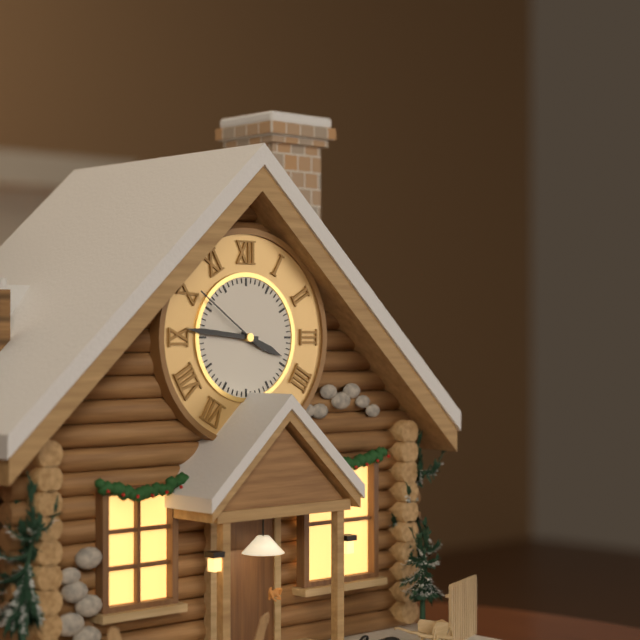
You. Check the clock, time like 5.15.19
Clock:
3.46.51
